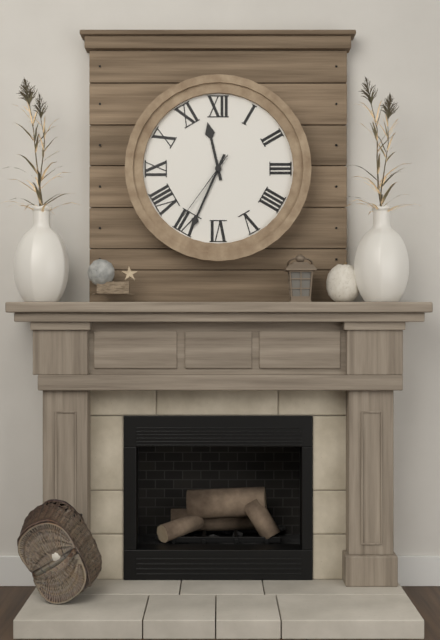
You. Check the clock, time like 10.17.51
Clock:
11.34.36
